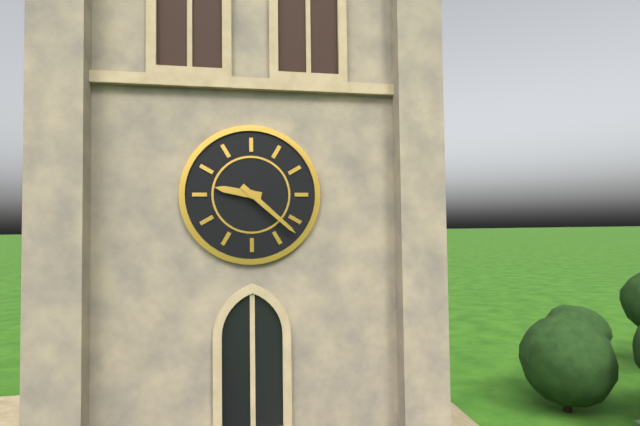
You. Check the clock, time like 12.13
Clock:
9.22
